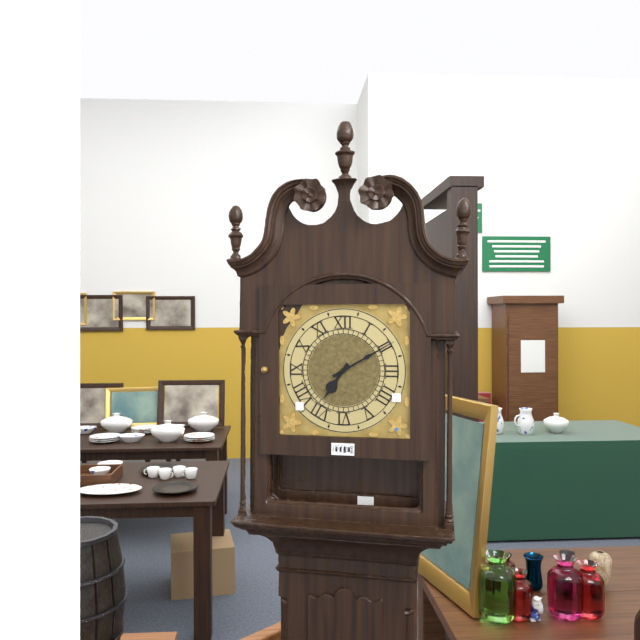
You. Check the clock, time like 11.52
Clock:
7.10
